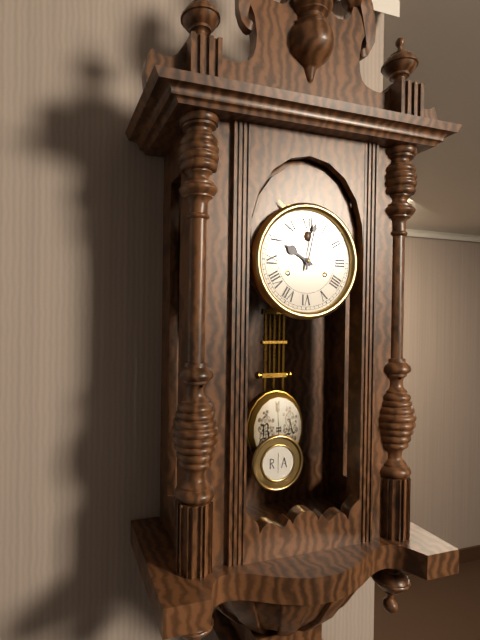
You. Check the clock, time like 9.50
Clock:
10.02
